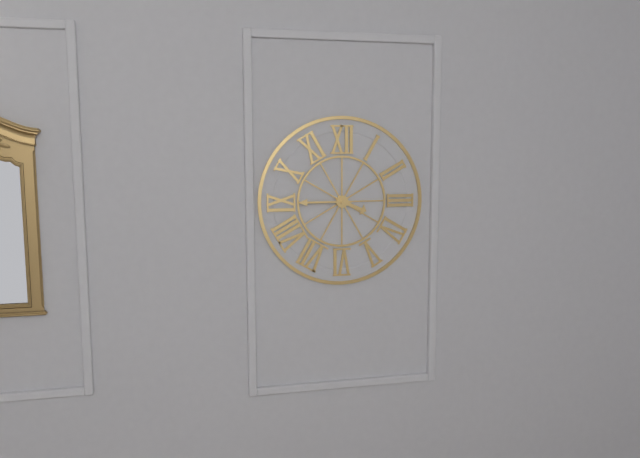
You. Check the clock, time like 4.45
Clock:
3.45
